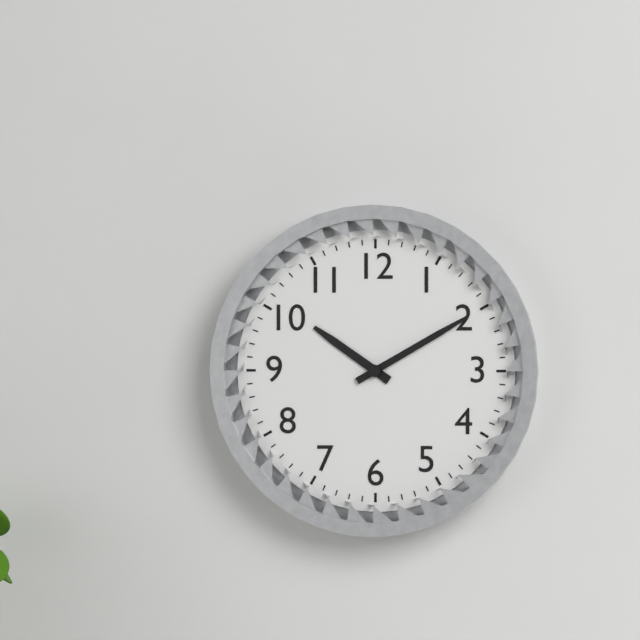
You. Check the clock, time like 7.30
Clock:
10.10
